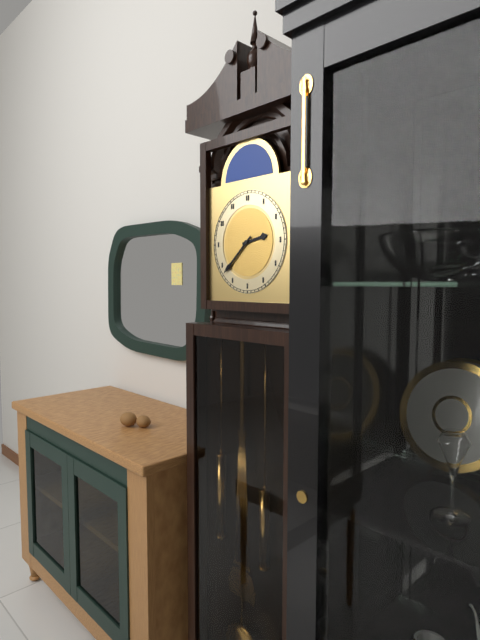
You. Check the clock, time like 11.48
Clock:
2.38
